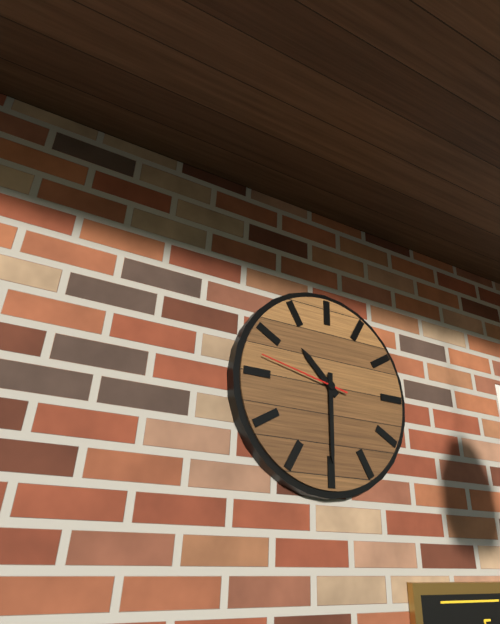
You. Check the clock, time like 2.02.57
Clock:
10.30.47
